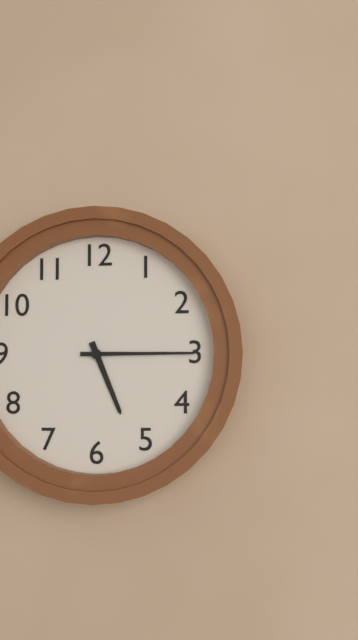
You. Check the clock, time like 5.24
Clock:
5.15
